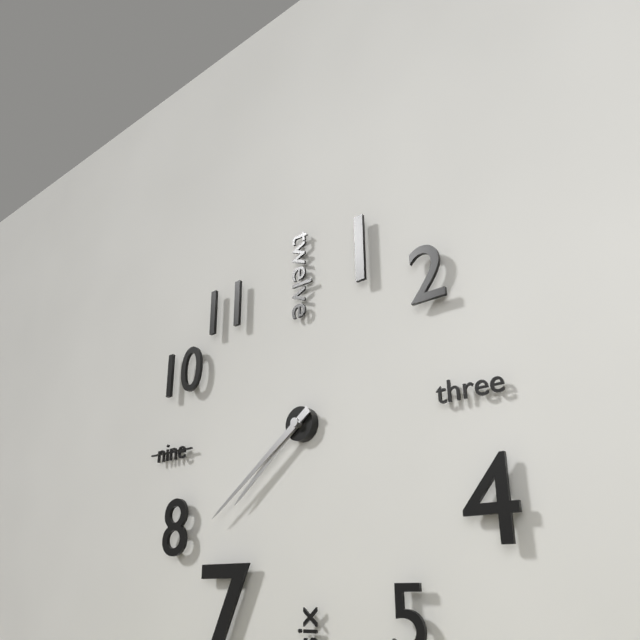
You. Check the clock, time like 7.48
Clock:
7.39
